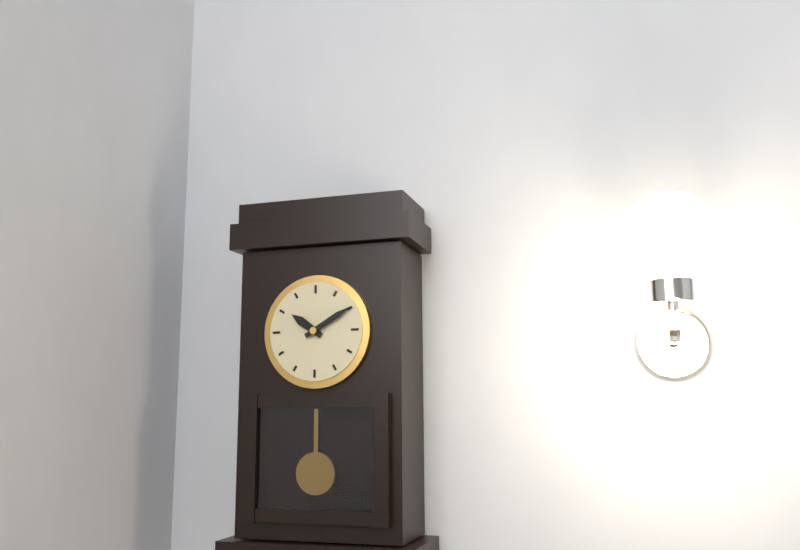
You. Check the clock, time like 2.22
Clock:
10.10
